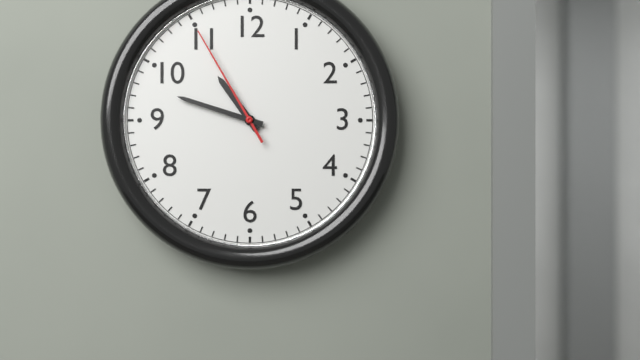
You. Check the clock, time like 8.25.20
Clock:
10.48.55
